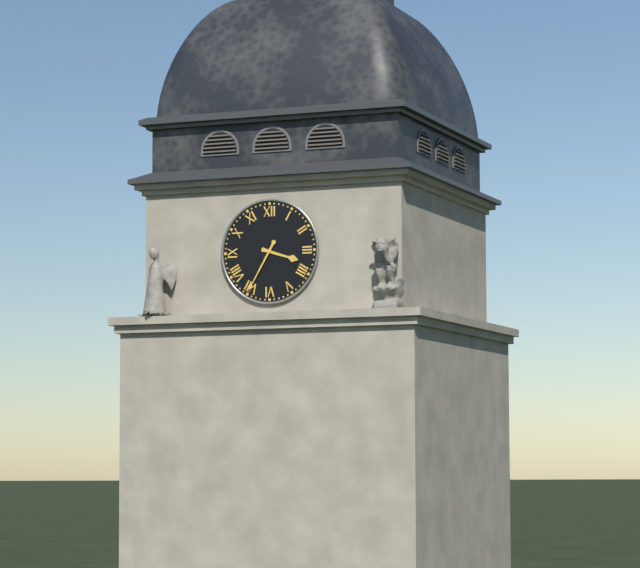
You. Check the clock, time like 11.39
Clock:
3.35
